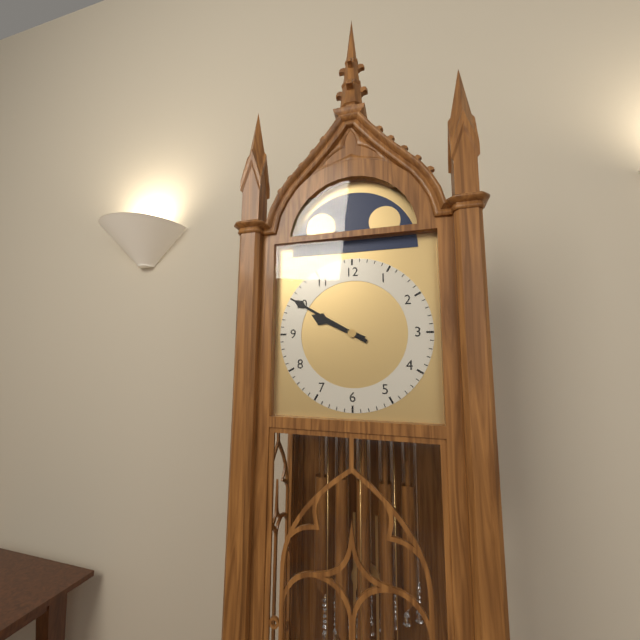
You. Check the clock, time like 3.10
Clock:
9.50
